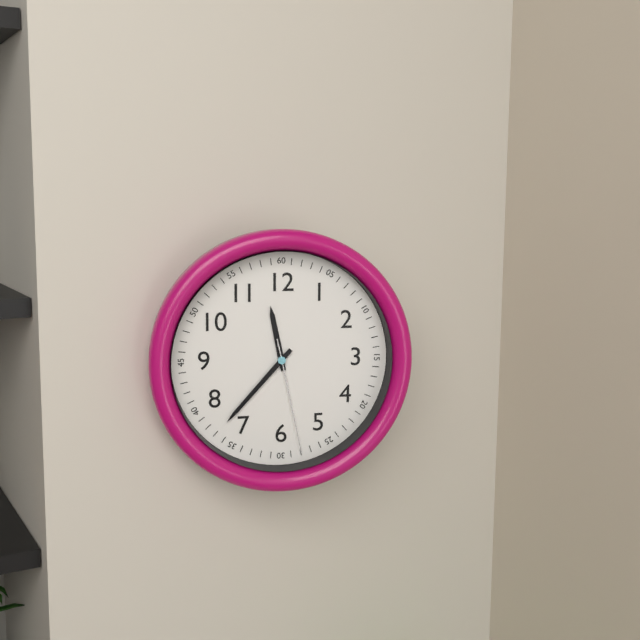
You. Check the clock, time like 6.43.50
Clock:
11.37.28
